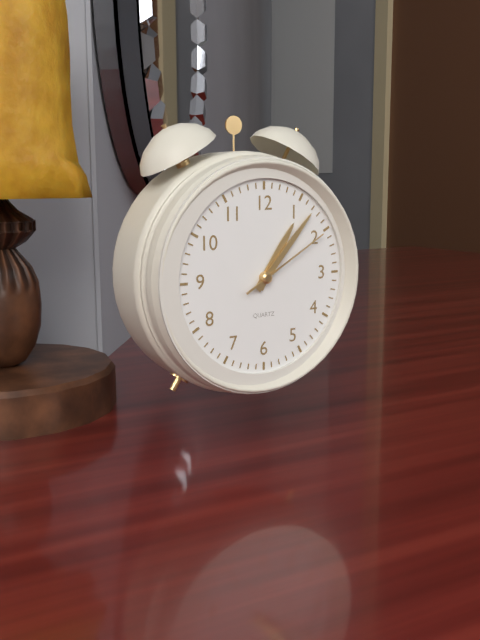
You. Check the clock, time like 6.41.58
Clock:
1.07.10
